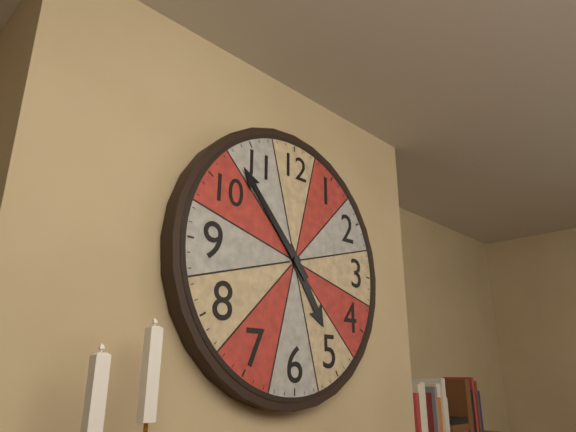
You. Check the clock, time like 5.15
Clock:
4.53
